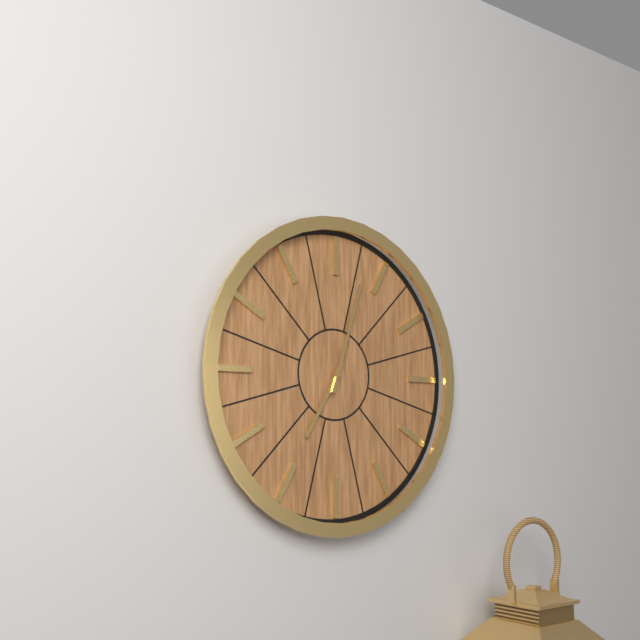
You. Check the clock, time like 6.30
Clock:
7.03
